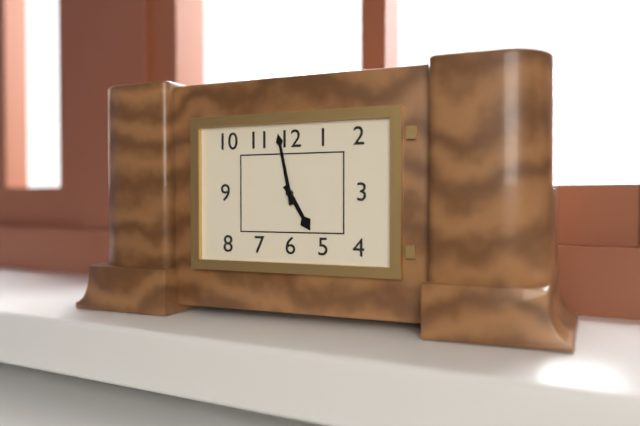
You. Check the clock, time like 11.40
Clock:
4.58
